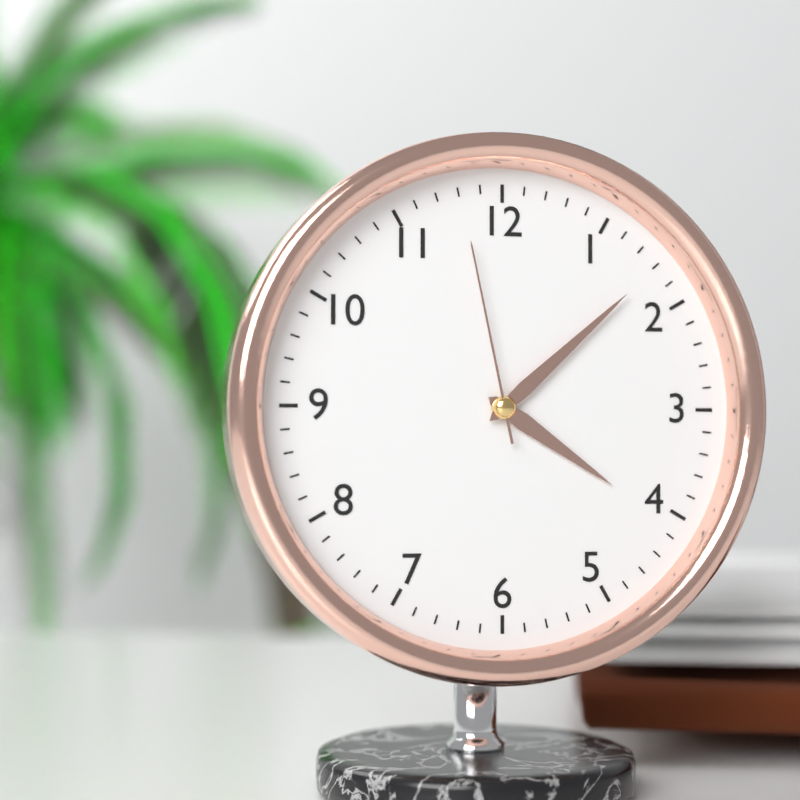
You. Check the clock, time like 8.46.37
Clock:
4.08.58
